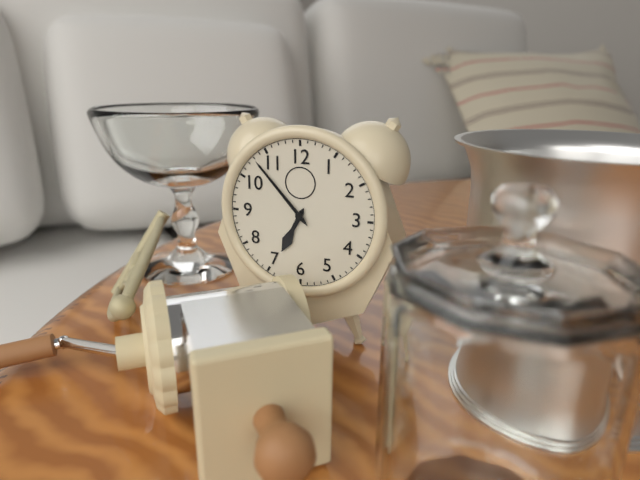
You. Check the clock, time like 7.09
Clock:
6.53
